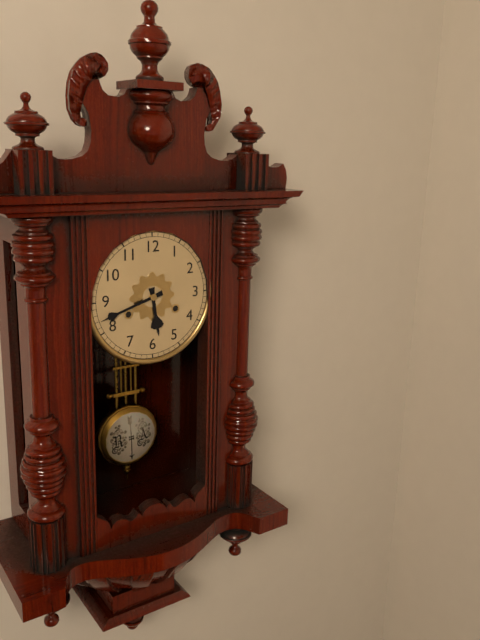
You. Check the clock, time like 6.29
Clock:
5.42
